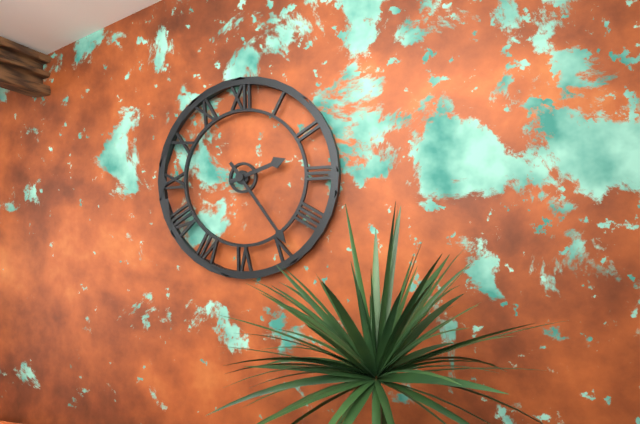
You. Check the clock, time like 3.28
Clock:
2.24
